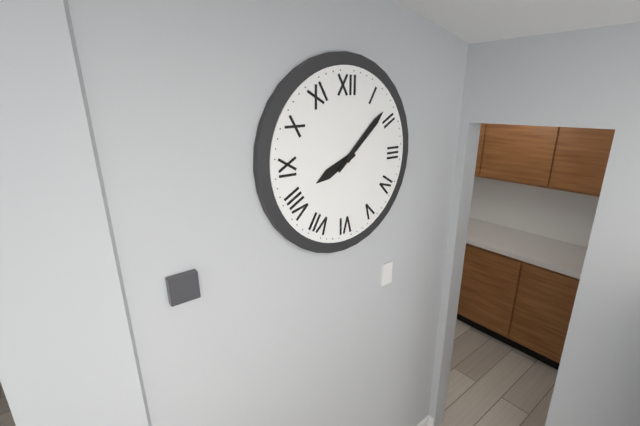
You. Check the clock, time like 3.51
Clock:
8.08
